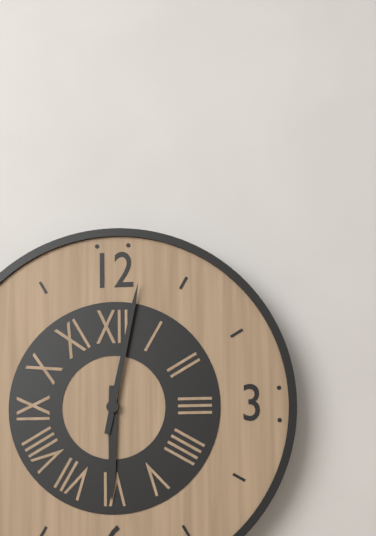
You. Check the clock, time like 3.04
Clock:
6.02
